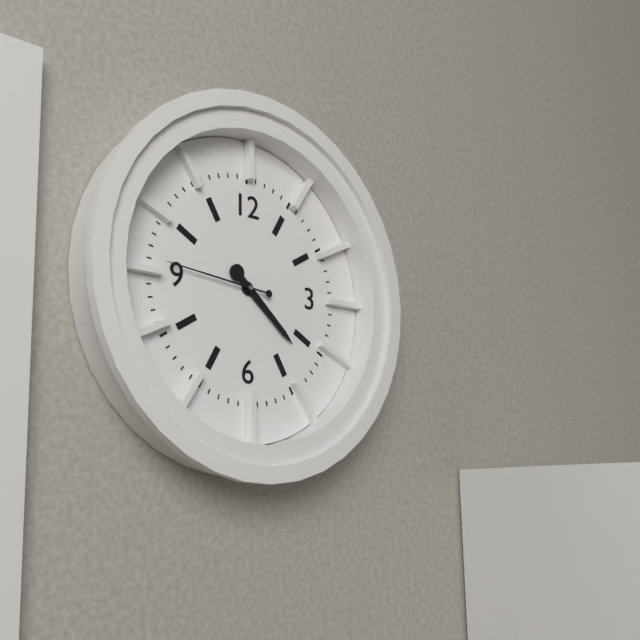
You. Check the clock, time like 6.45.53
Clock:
4.22.46
